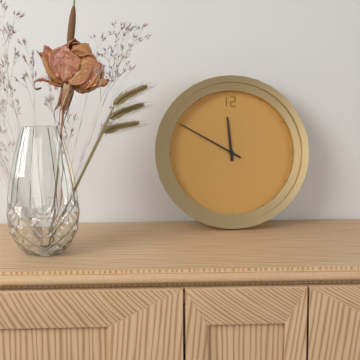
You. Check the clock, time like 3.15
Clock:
11.50
